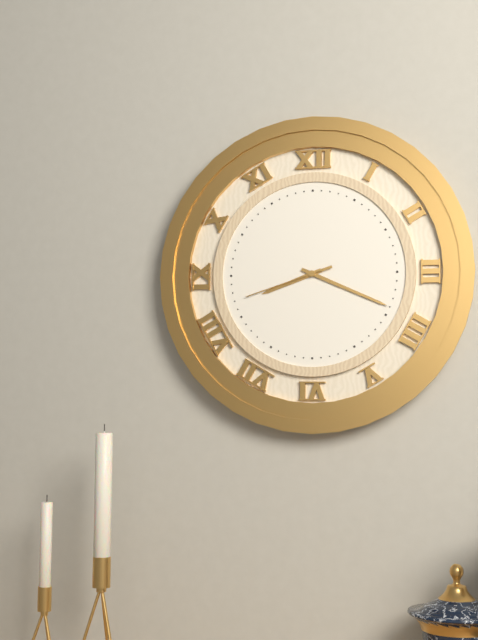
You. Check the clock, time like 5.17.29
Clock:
8.19.42
